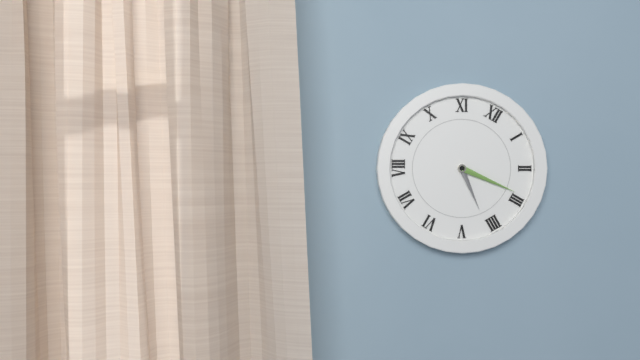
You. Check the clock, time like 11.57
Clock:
4.14
